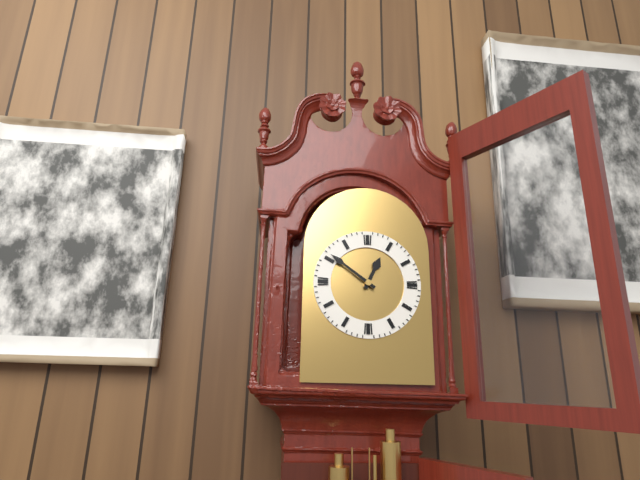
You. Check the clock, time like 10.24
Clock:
12.51
